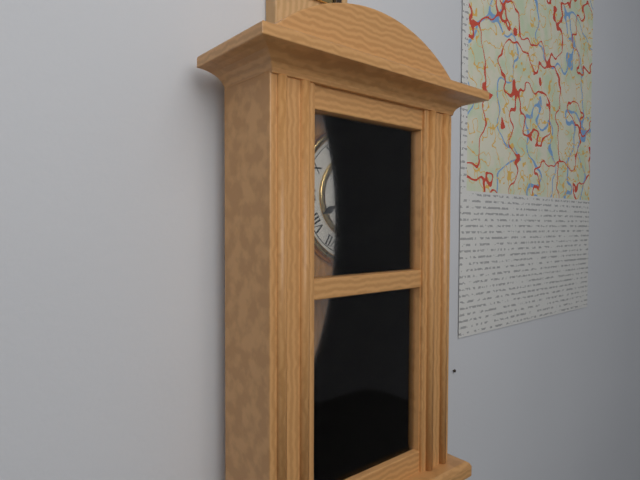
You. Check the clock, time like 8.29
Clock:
8.12
